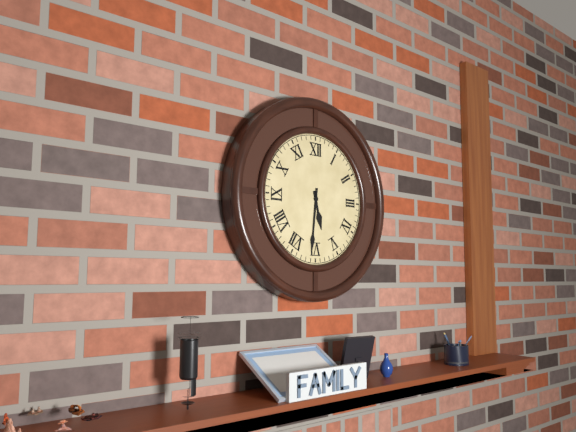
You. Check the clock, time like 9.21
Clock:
5.31
